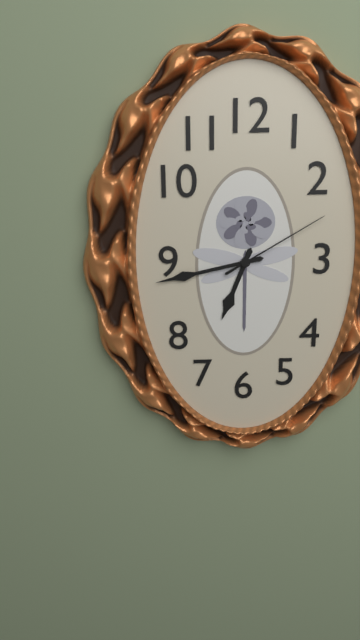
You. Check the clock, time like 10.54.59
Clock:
6.43.10
